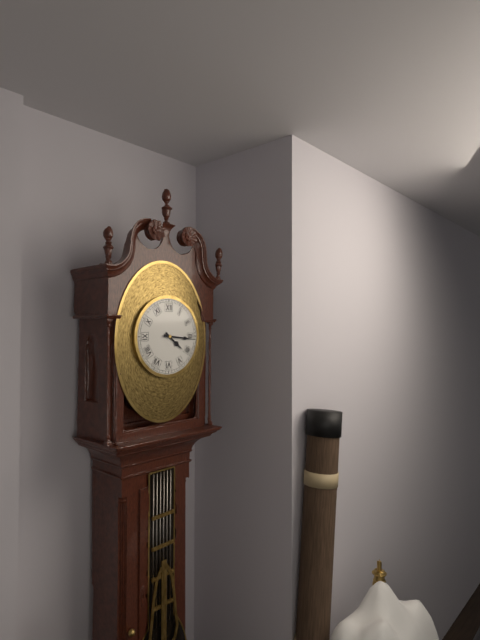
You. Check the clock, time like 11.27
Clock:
4.16
